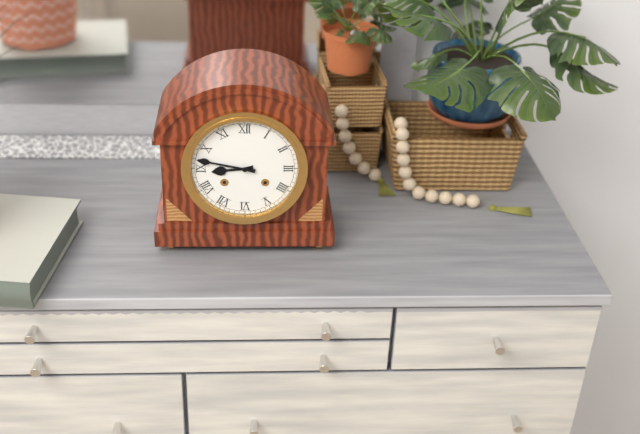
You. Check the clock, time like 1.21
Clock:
8.47
